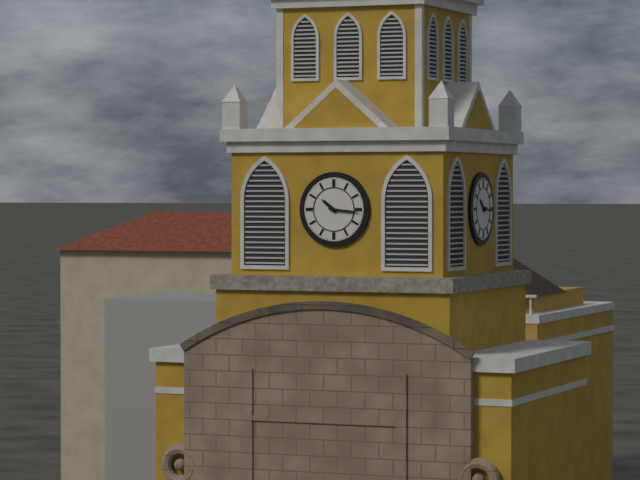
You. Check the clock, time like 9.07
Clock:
10.16
